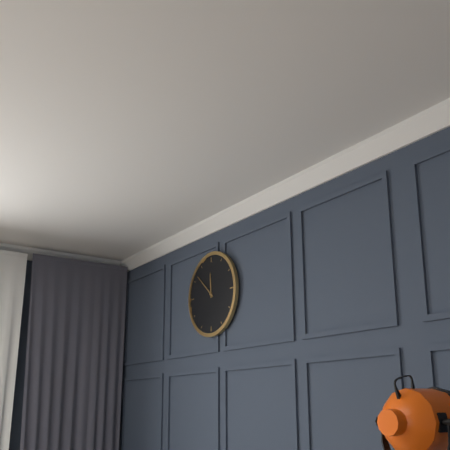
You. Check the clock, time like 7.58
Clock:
11.52
